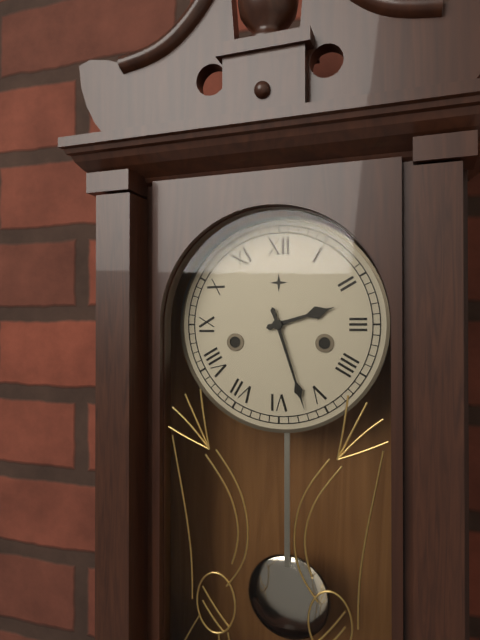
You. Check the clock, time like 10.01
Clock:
2.27
